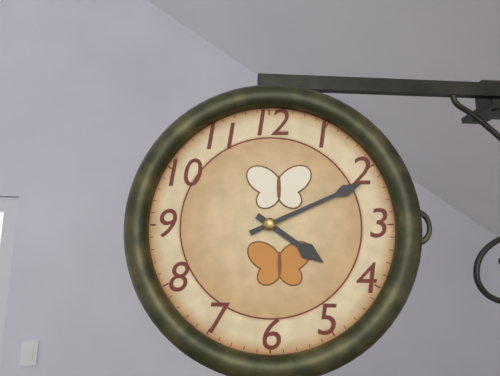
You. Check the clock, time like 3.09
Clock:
4.11
